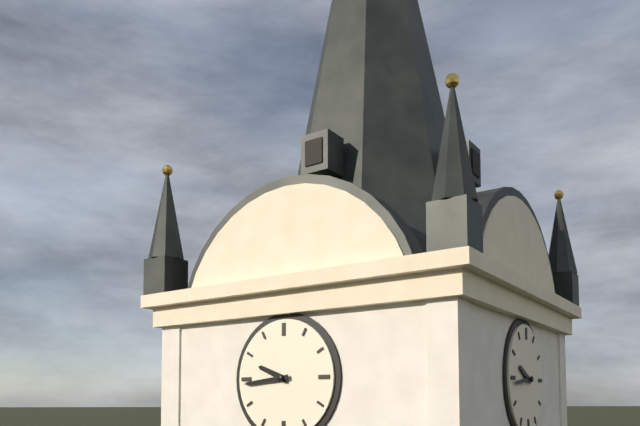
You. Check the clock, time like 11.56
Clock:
9.44
